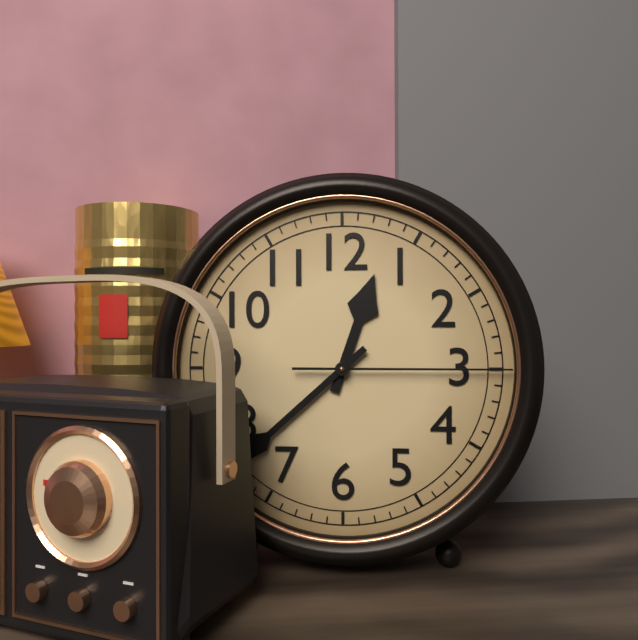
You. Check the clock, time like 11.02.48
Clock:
12.38.15
